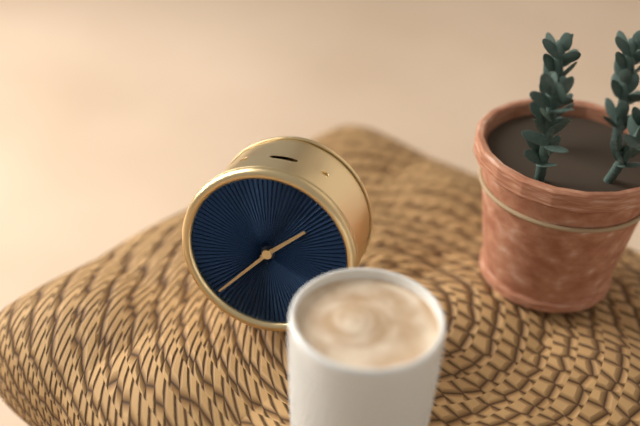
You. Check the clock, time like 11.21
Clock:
1.37
